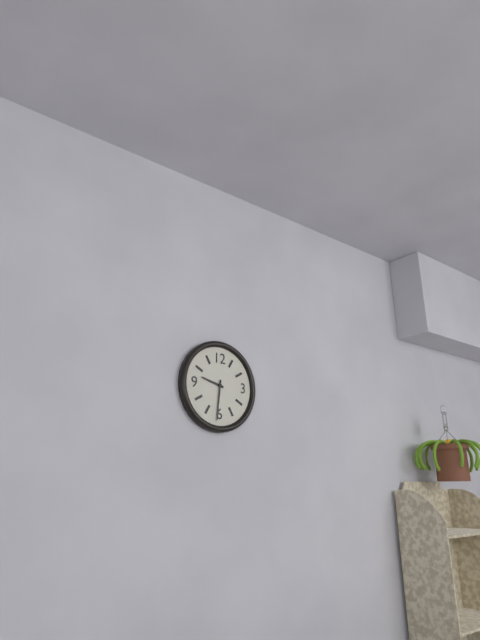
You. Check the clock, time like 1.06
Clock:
9.31
